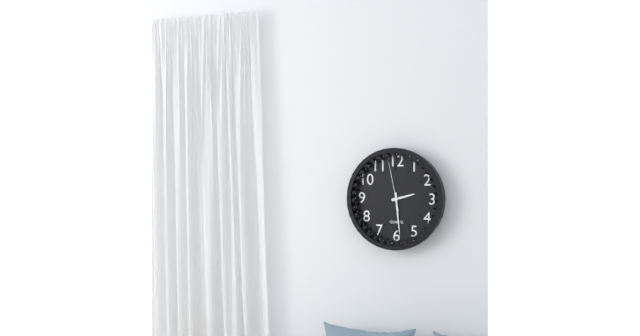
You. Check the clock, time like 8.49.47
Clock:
2.29.58
